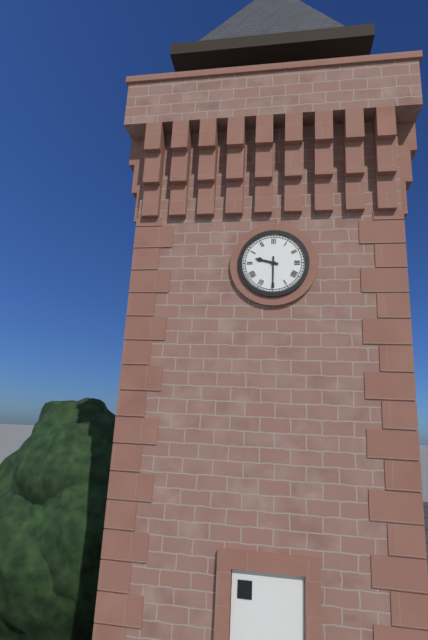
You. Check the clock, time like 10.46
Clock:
9.30
